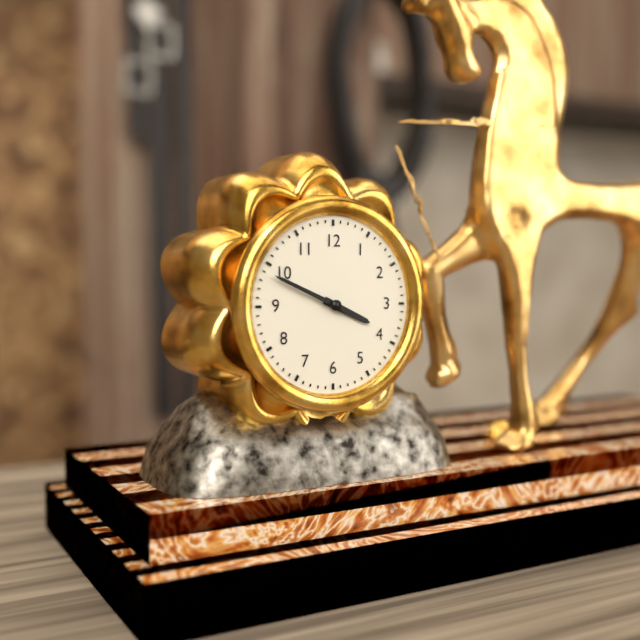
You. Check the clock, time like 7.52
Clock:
3.49
